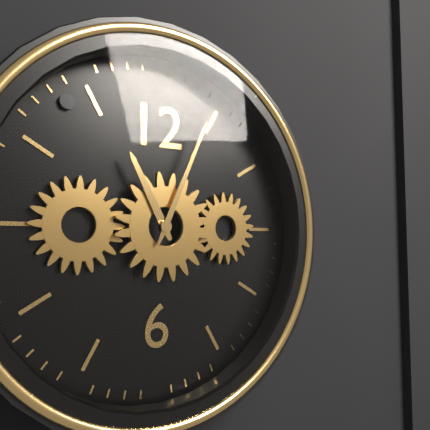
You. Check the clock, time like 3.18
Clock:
11.04
